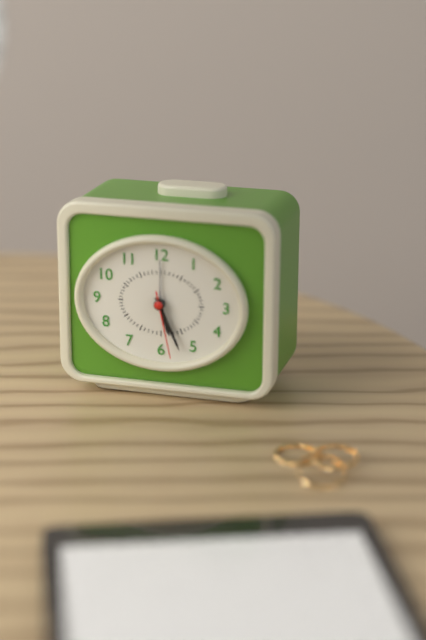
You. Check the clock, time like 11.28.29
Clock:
5.26.28
